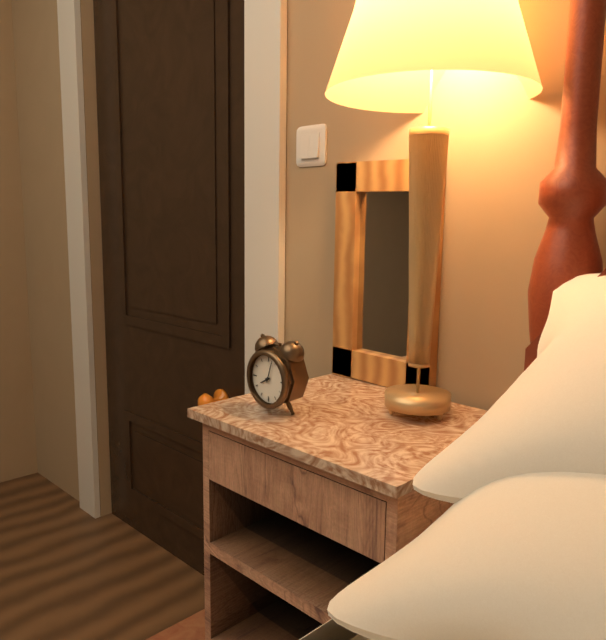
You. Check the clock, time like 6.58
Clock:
8.03
